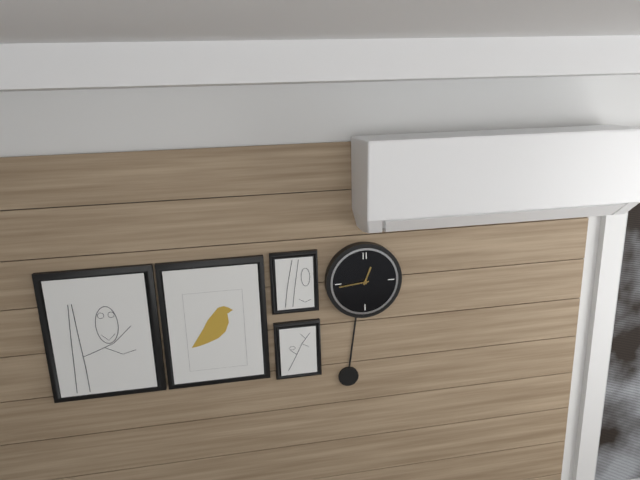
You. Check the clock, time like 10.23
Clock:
12.44
